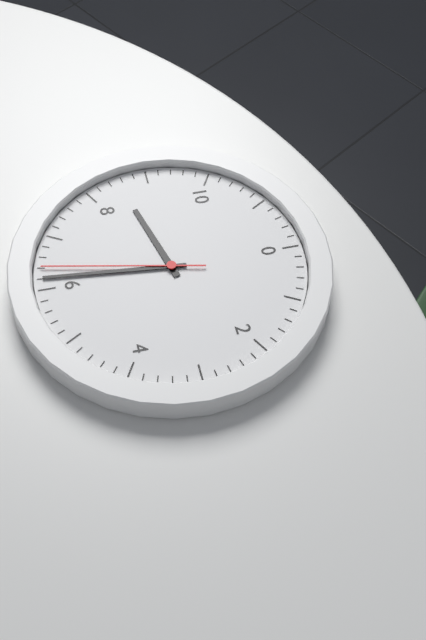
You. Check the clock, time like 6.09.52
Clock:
8.31.32
